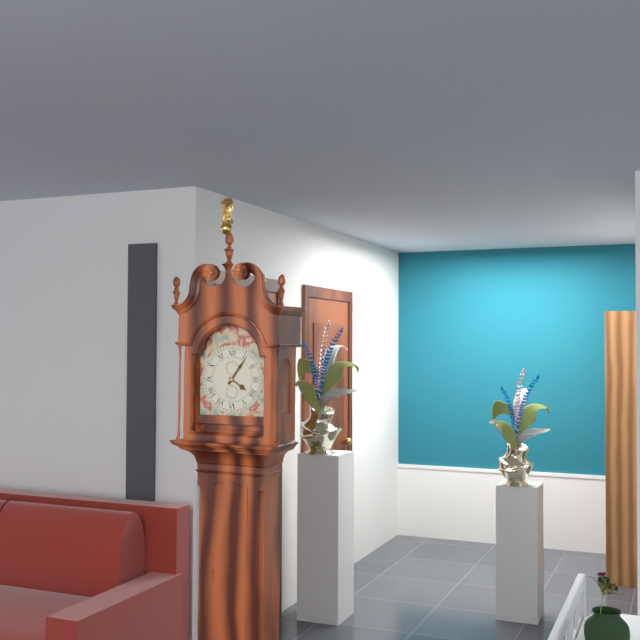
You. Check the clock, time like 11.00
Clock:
4.06
